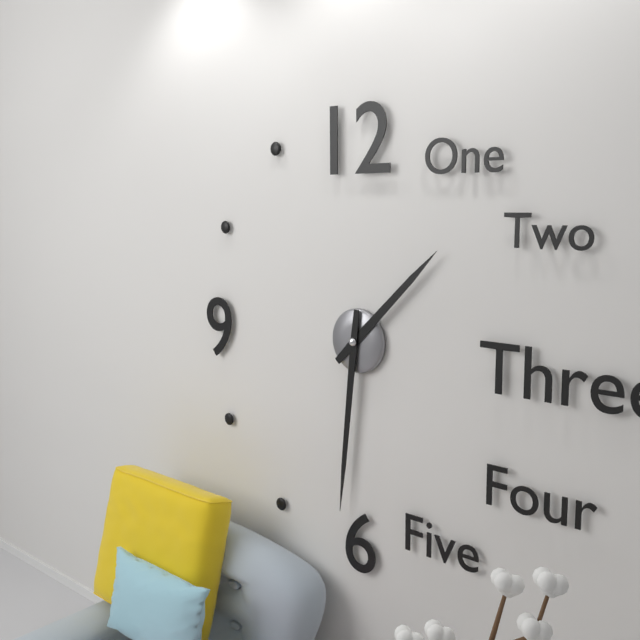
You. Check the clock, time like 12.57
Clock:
1.31
